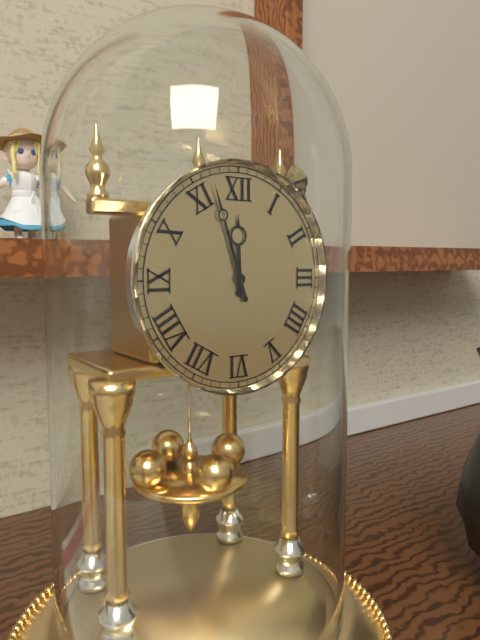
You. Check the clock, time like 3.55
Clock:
11.57
